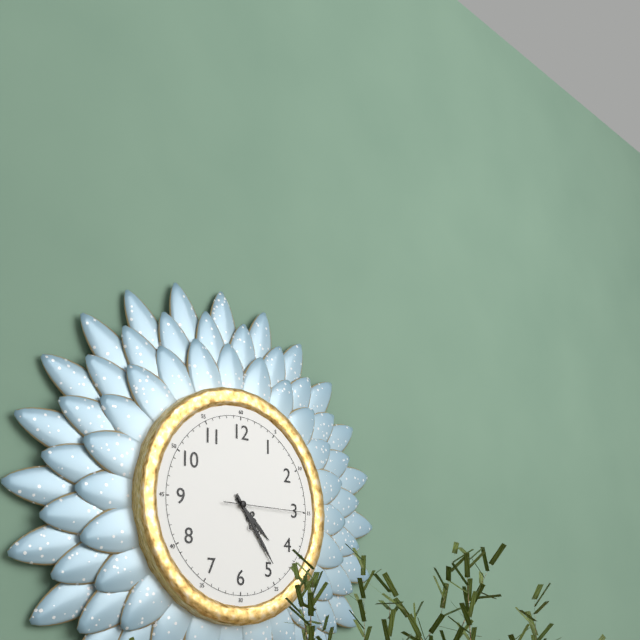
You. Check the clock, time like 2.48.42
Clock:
4.24.15
